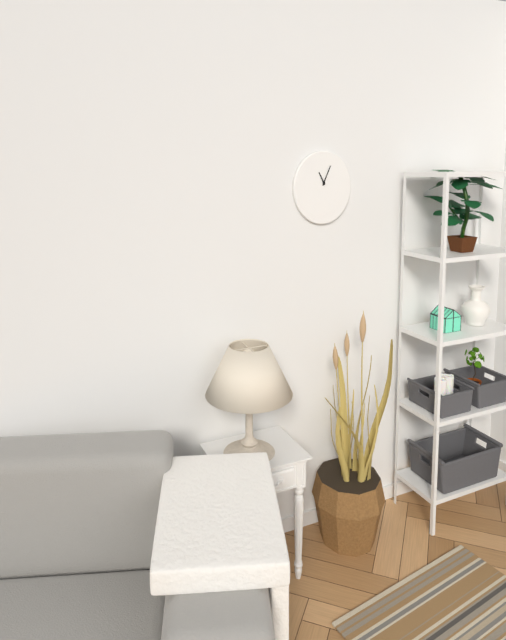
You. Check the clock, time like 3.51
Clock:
11.04
